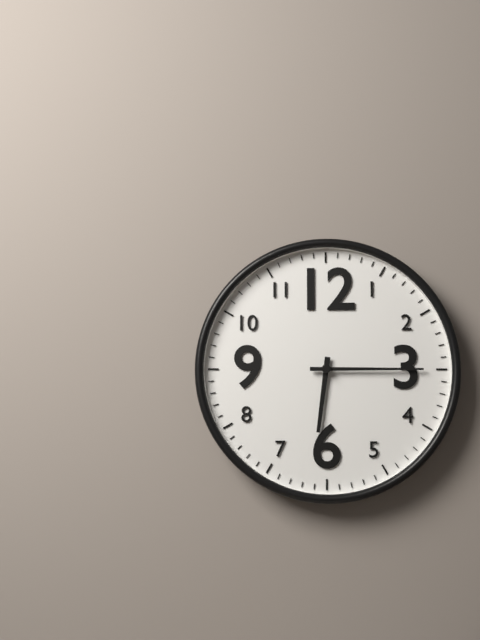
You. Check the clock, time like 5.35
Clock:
6.15
